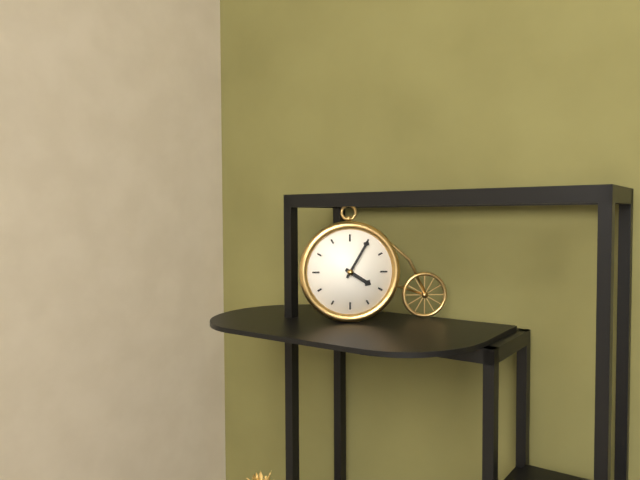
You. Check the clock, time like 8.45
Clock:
4.05
